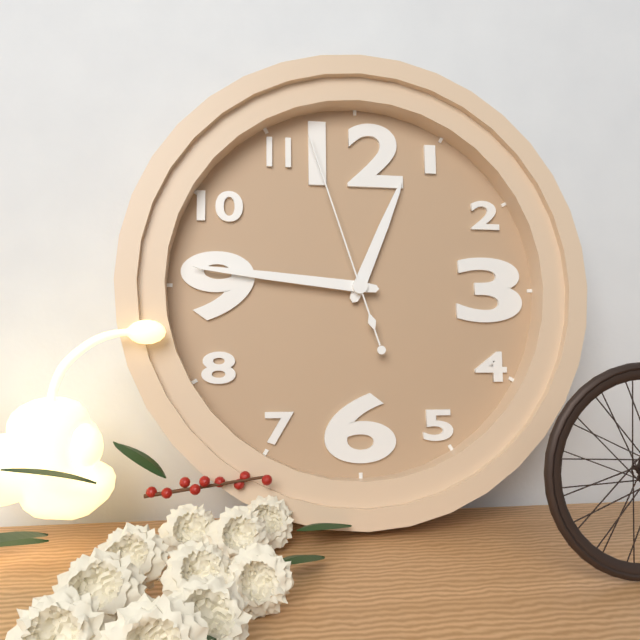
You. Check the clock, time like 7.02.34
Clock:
12.46.57
